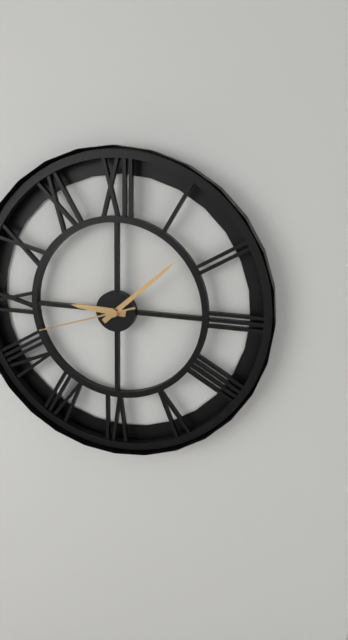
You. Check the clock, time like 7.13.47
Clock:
9.08.42
